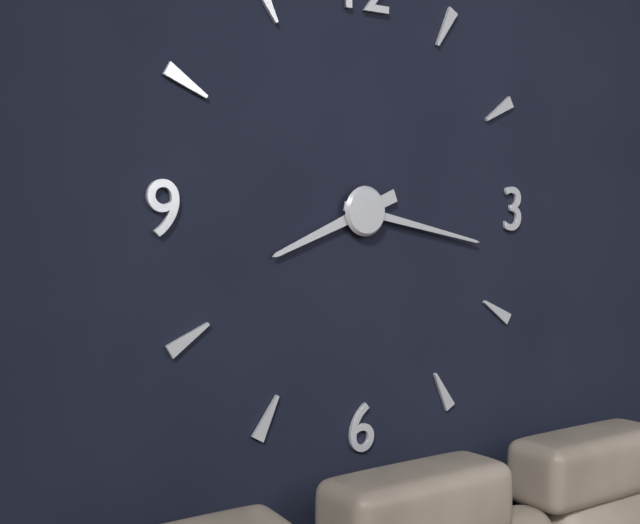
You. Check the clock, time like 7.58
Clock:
8.17
